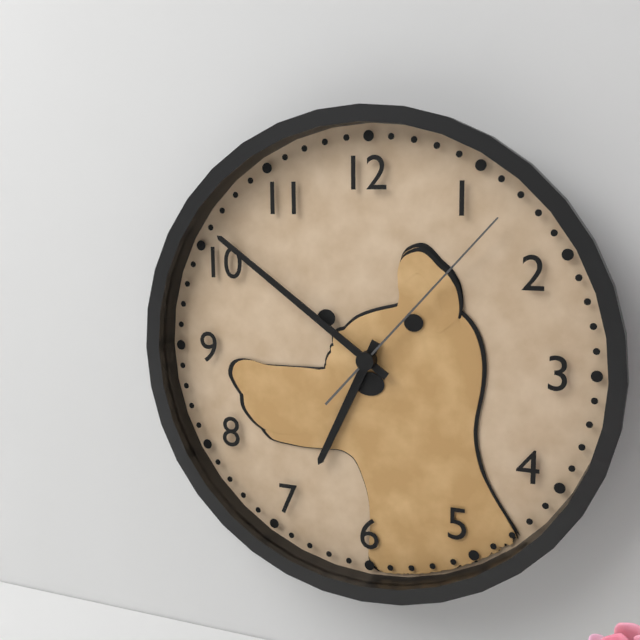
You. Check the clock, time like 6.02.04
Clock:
6.51.07
